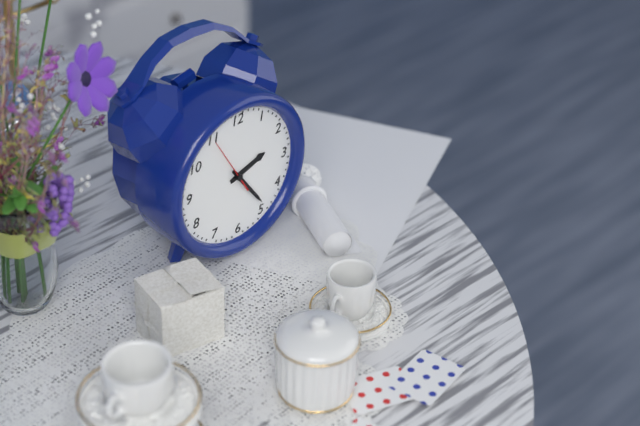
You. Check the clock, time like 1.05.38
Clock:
2.24.55
